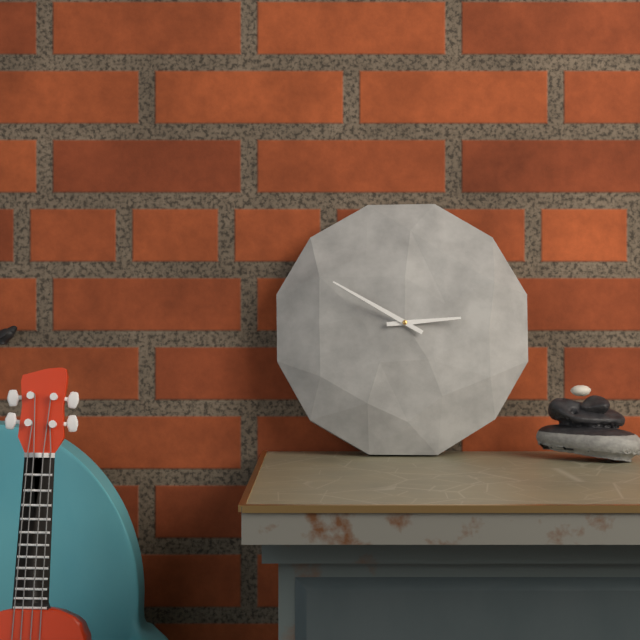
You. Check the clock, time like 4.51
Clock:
2.50
